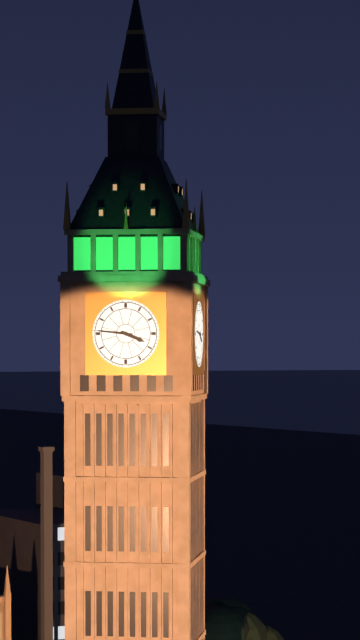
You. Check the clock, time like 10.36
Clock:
3.46
